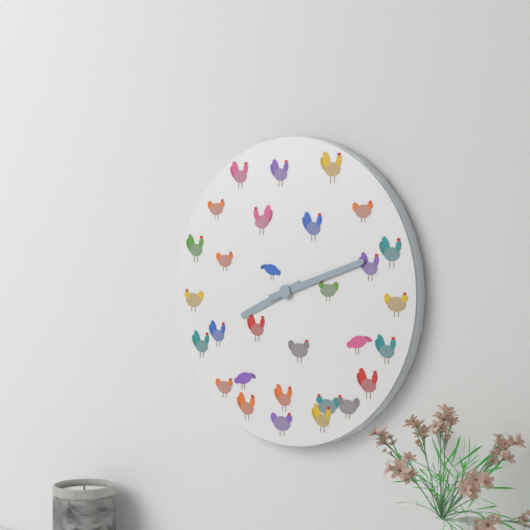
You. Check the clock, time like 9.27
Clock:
8.12
